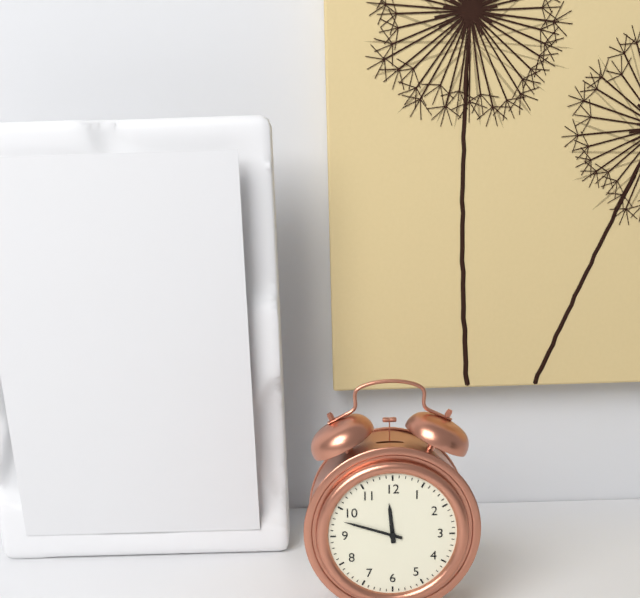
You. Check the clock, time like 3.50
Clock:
11.48
